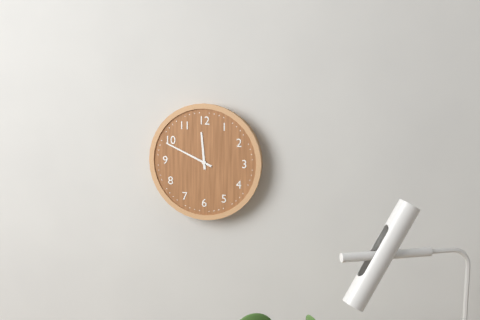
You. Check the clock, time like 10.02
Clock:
11.49
